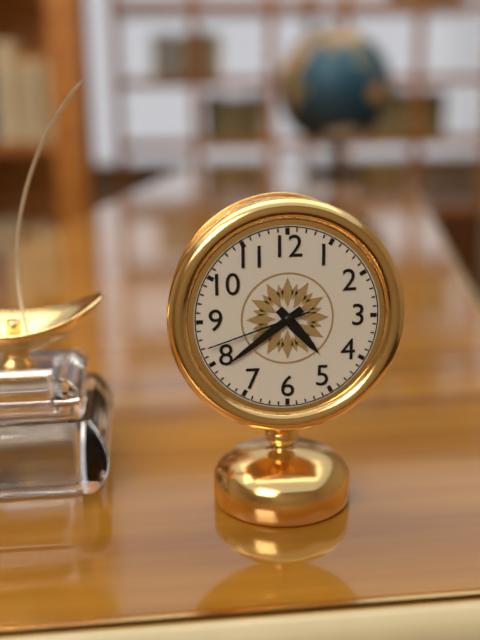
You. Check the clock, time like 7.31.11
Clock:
4.39.42
